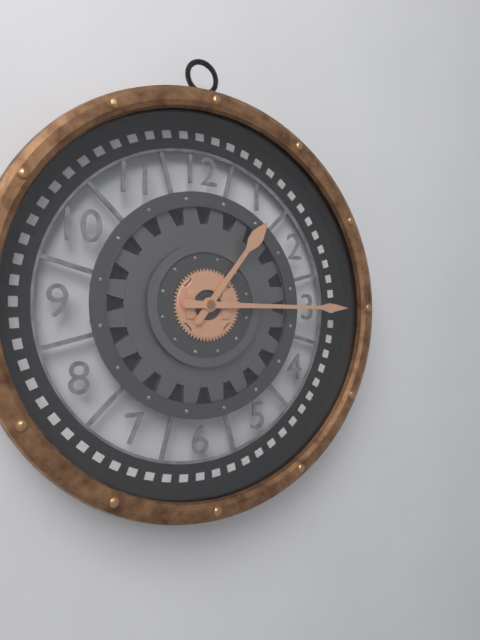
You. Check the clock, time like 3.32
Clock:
1.15
